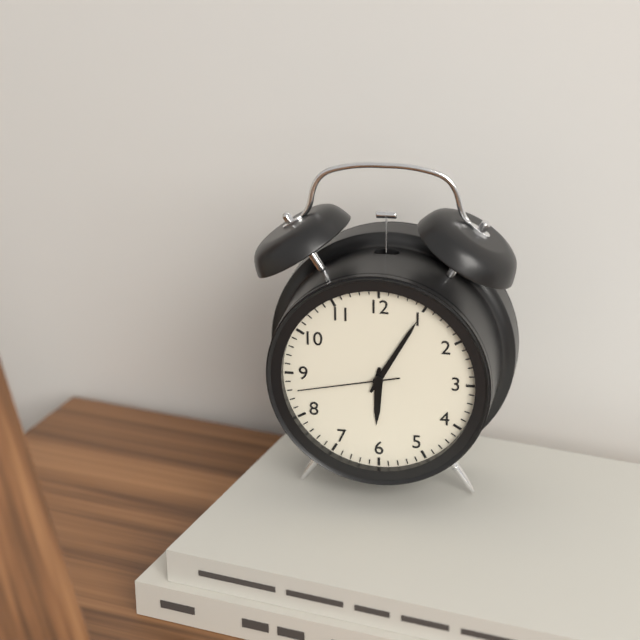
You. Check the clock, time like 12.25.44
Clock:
6.05.43
